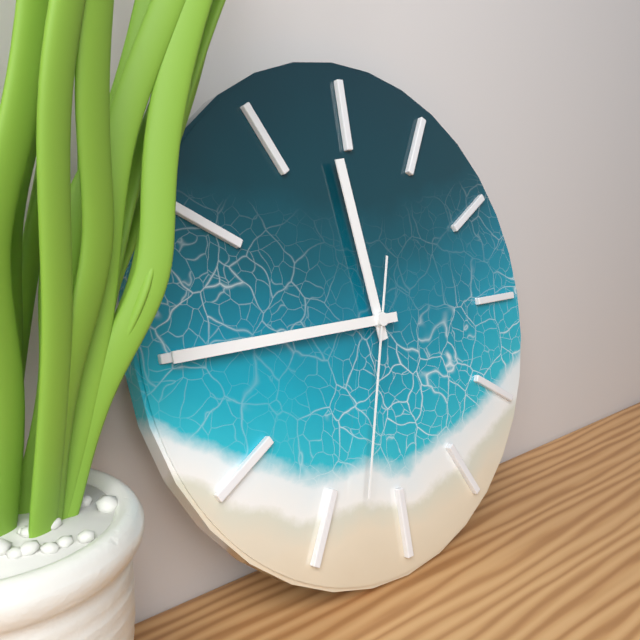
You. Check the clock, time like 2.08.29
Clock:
11.45.33
